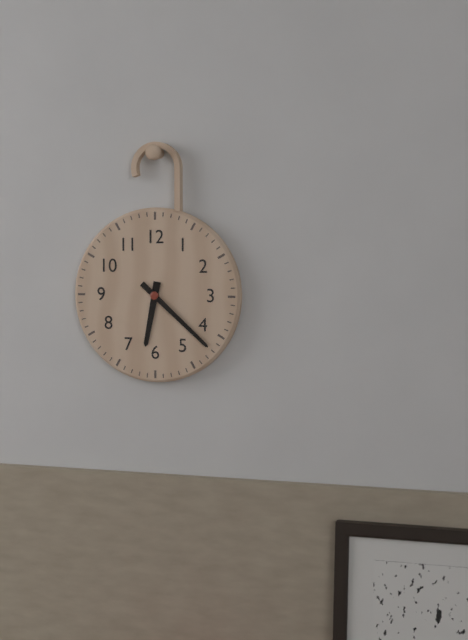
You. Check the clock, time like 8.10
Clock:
6.22
